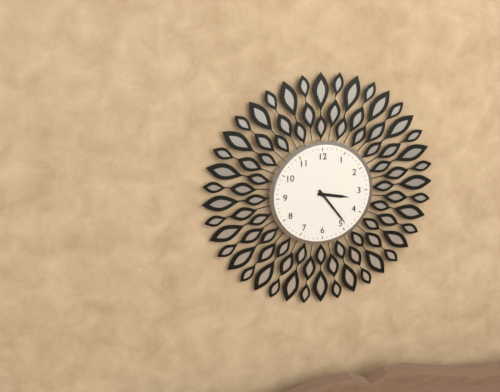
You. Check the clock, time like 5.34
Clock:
3.24
